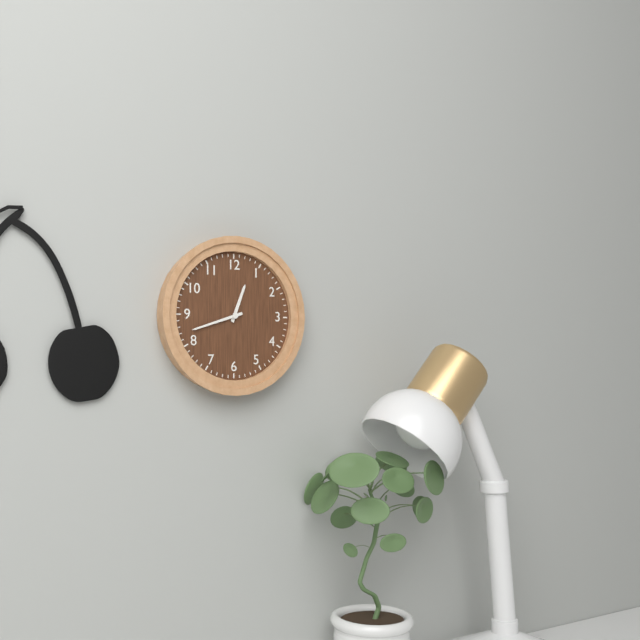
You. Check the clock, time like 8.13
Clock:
12.42
